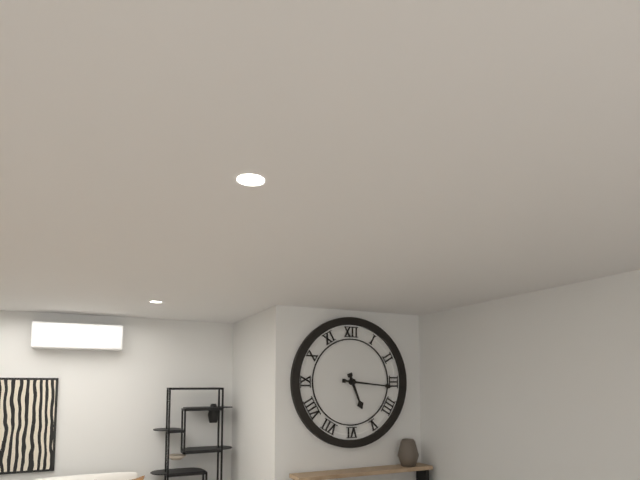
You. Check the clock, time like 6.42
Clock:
5.16
